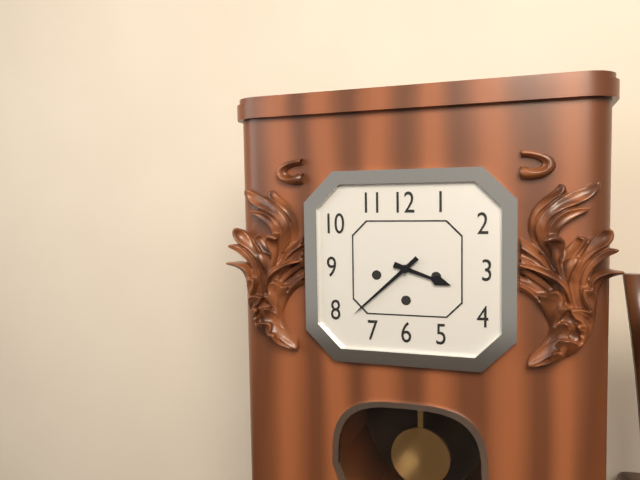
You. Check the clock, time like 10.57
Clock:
3.38
